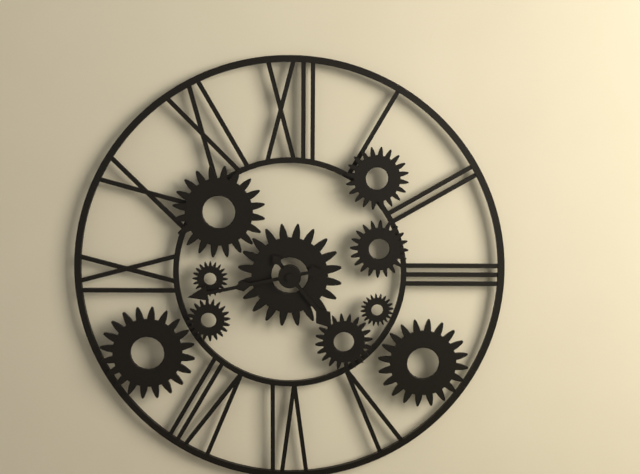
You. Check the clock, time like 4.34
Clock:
4.43
